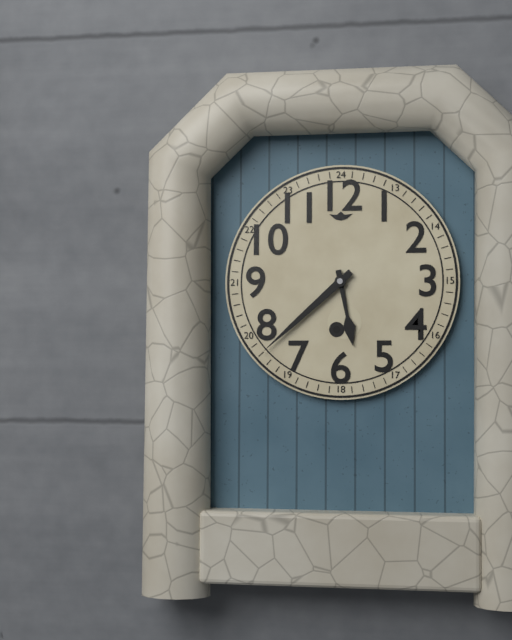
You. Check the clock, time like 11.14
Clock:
5.38
